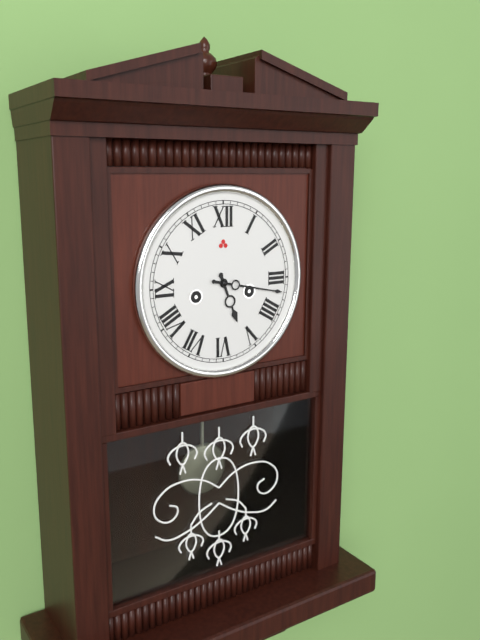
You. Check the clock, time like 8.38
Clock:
5.17
